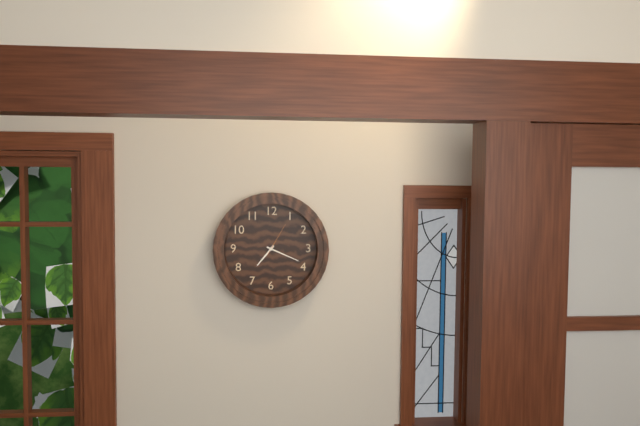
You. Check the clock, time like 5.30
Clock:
7.19
